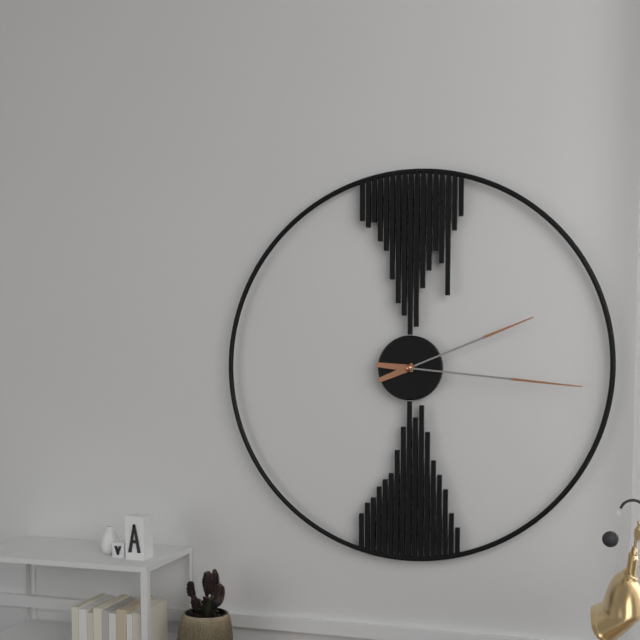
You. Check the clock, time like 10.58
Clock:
2.16
